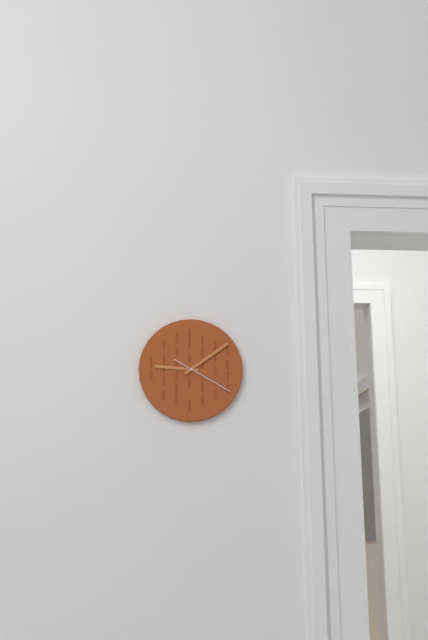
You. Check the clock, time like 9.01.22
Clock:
9.09.20
